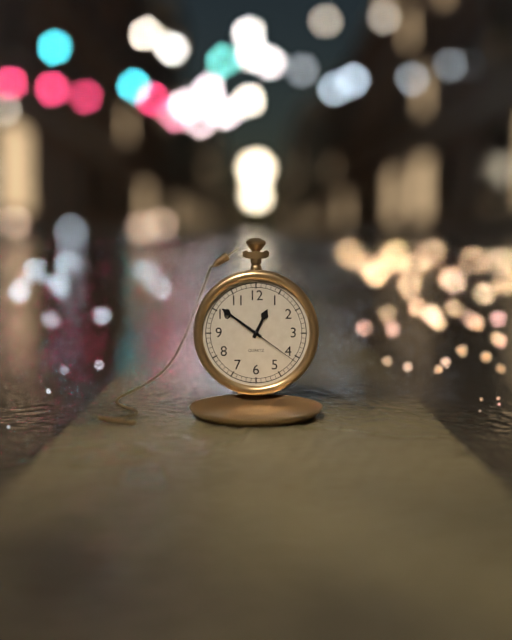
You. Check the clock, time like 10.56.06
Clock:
12.51.21
